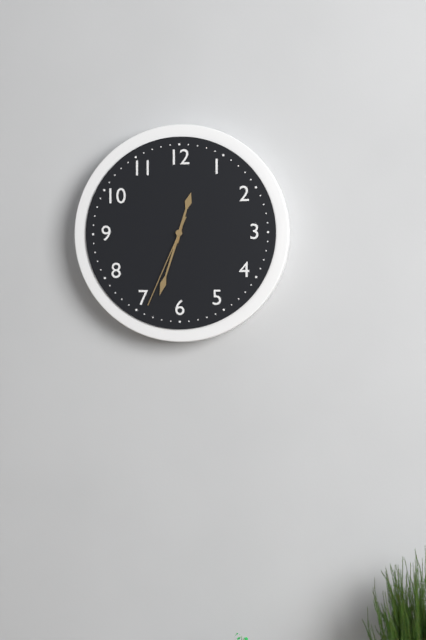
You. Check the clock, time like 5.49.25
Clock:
12.33.34
